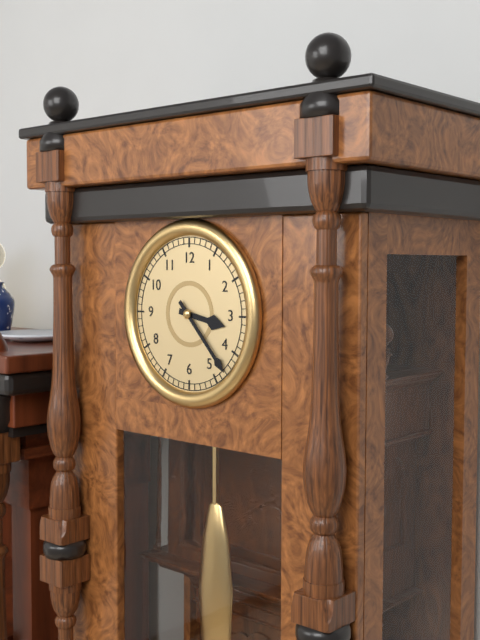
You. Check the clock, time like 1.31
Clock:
3.23
